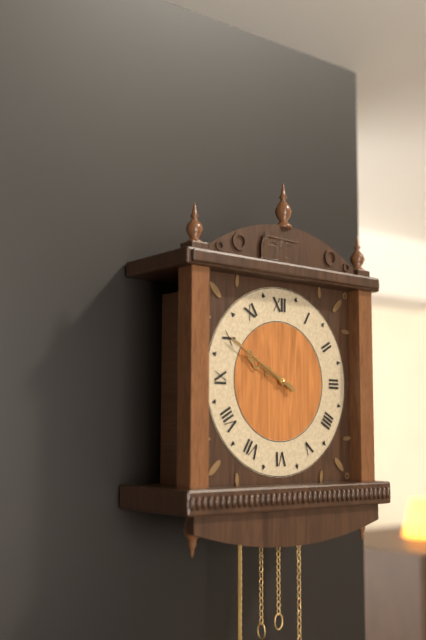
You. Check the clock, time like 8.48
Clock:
9.50
